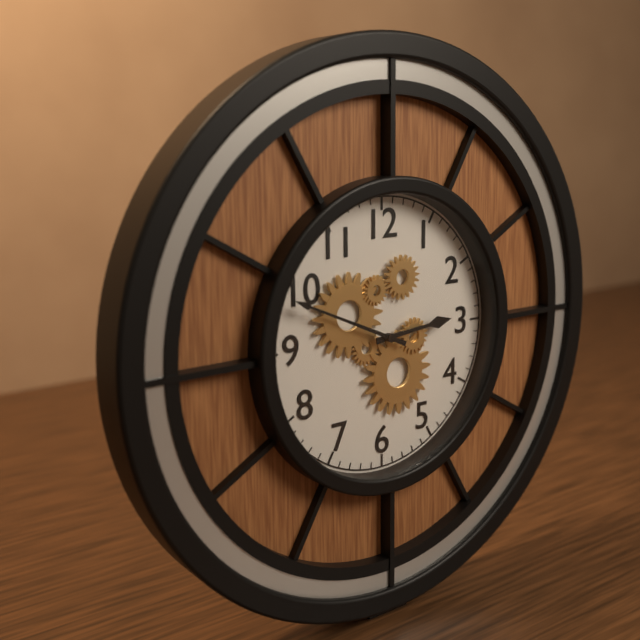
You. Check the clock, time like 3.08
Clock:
2.49
